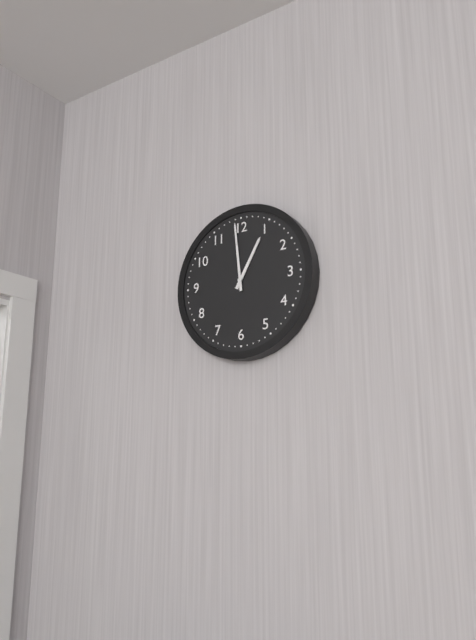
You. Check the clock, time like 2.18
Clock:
12.59
